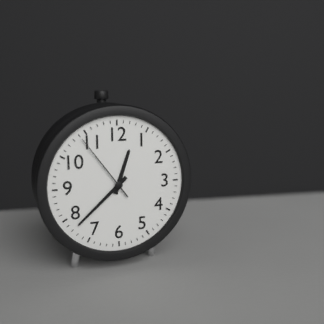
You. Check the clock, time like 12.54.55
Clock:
12.38.54
